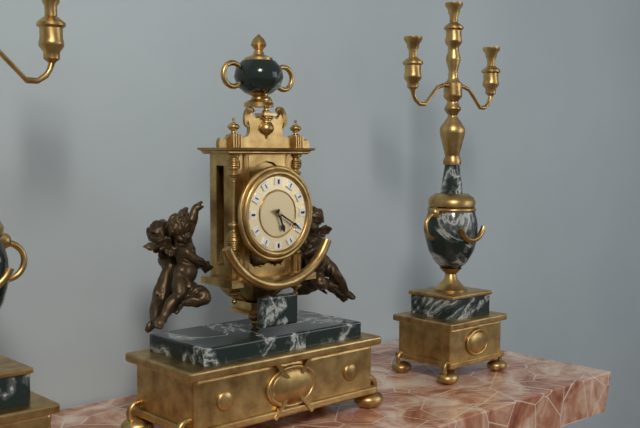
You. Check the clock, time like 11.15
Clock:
5.20
